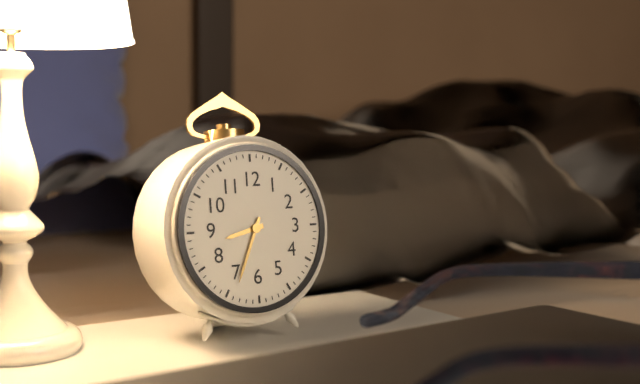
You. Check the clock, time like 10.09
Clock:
8.34
